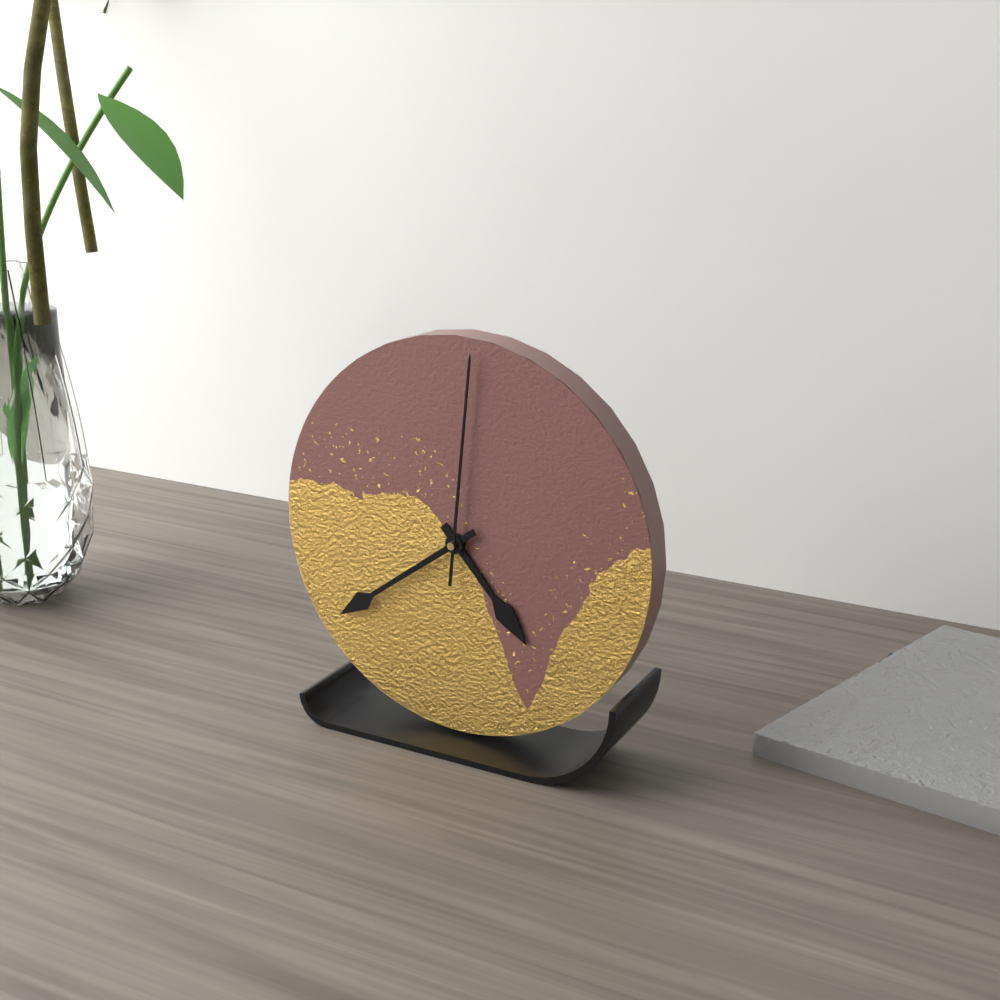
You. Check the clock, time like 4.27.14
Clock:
4.39.01
